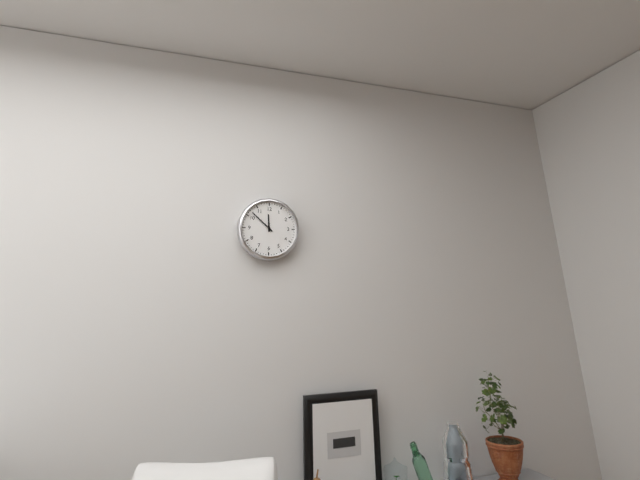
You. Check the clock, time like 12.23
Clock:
11.52
